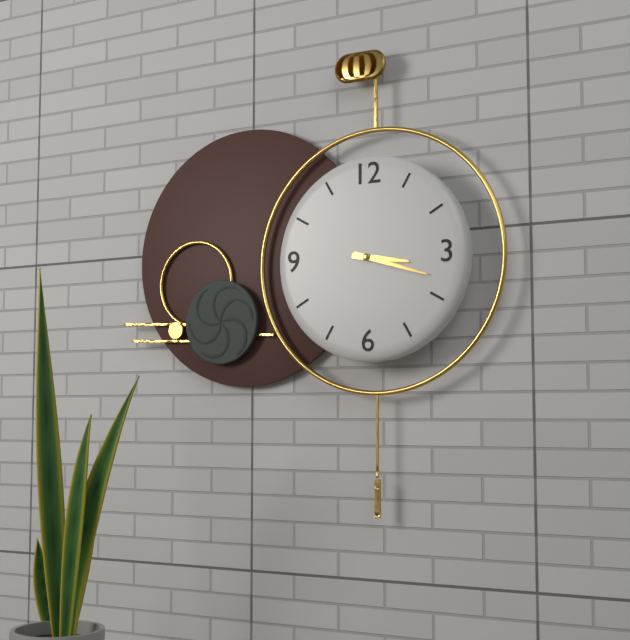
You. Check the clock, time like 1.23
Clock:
3.18
